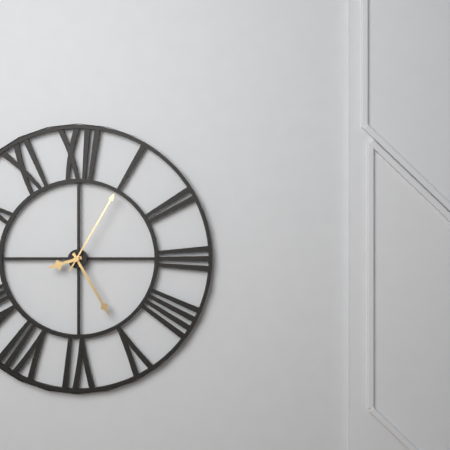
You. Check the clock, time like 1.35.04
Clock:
8.25.05
